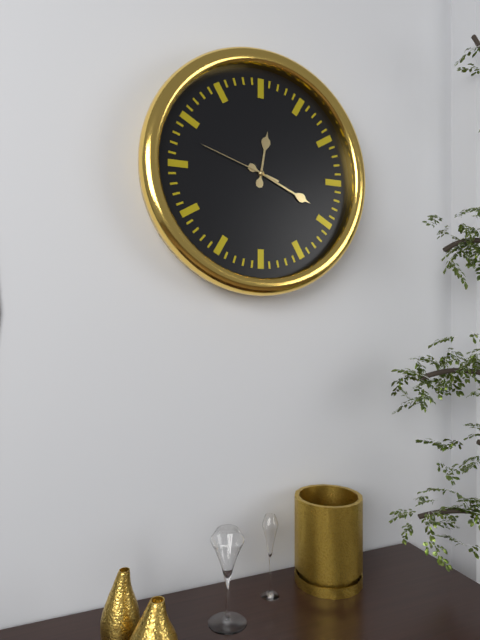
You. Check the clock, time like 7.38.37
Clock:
12.19.48
